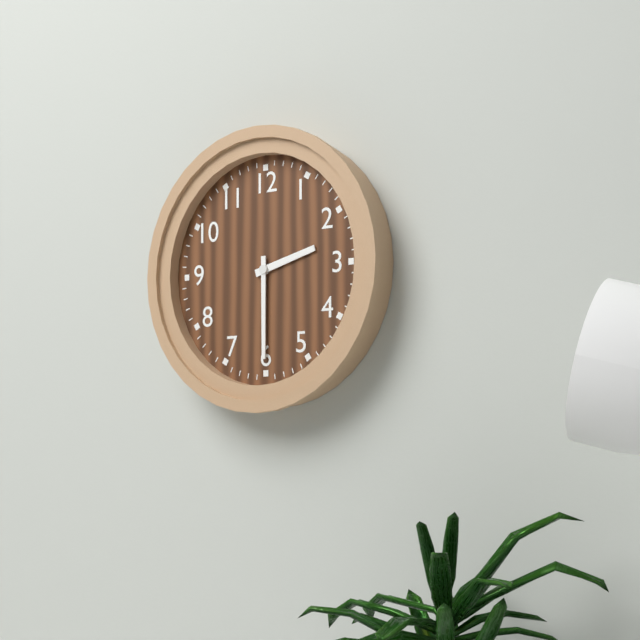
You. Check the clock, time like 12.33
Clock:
2.30
